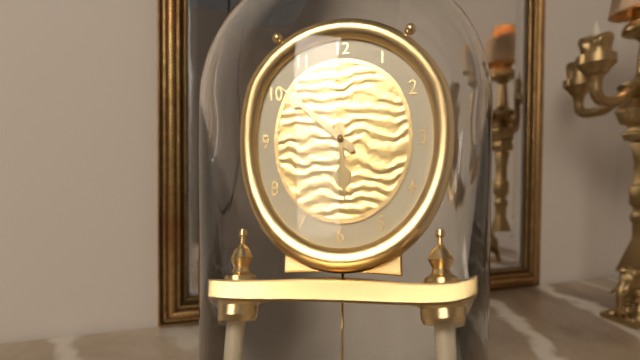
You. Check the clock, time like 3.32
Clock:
5.51
